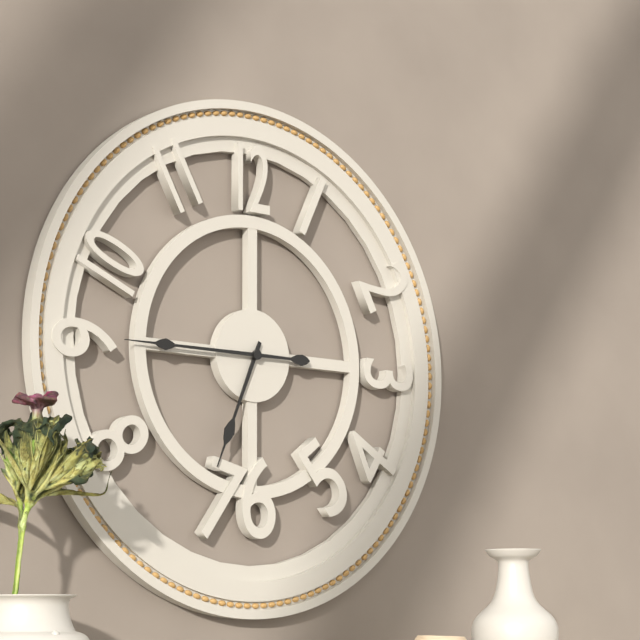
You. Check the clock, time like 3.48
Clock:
6.45
